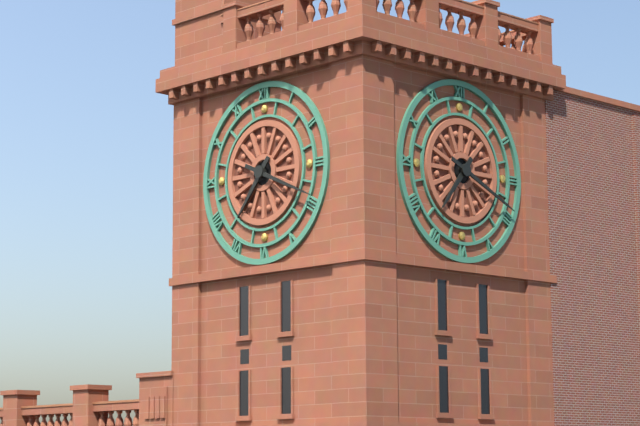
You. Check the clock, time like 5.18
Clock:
7.19
